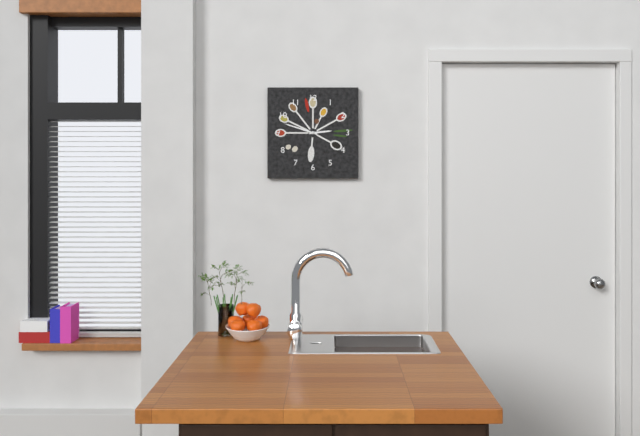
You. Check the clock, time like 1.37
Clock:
2.48
